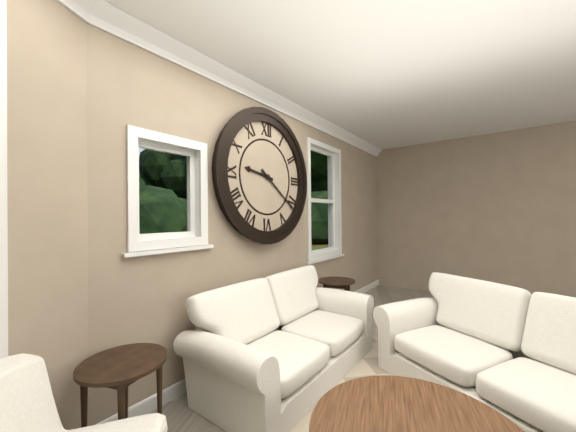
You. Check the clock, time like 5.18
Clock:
9.21
